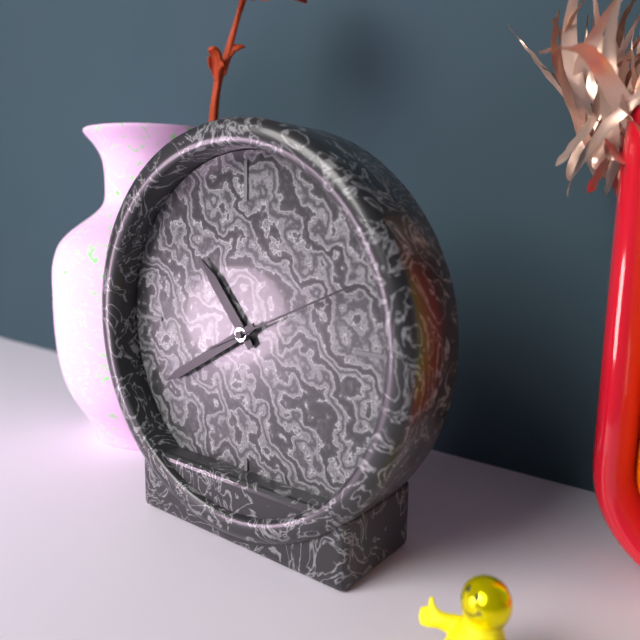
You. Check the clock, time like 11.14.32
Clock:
10.40.11
